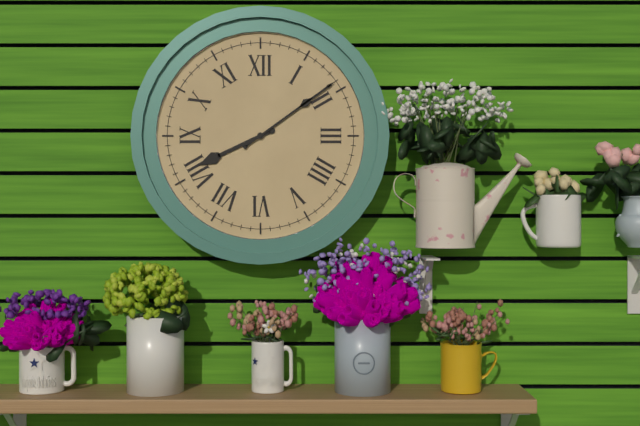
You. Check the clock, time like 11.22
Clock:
8.09
